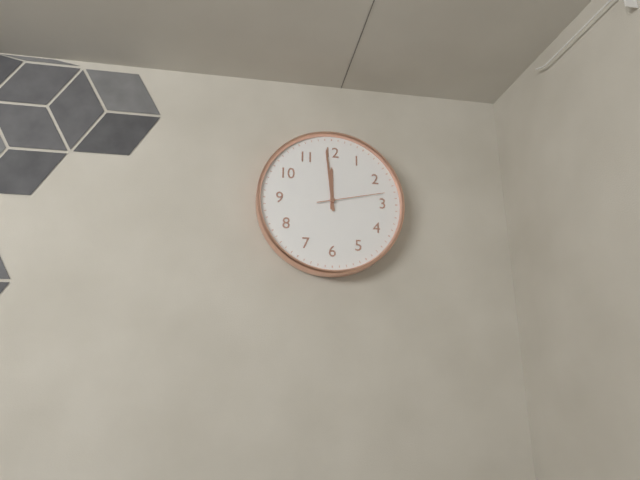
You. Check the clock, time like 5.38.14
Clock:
11.59.13
